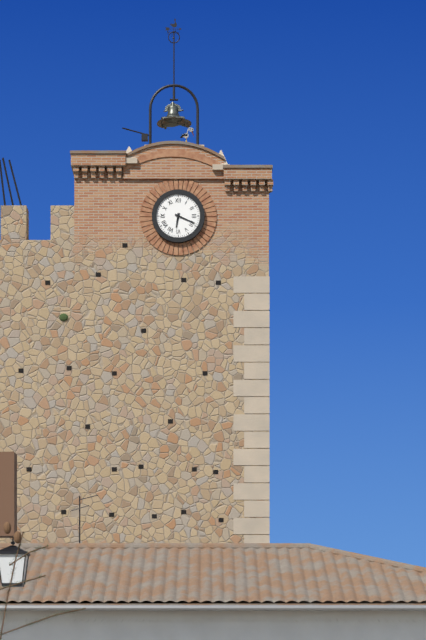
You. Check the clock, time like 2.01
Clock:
6.19
